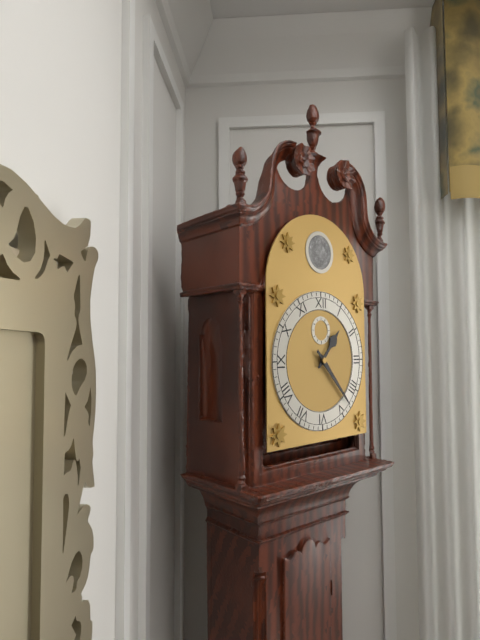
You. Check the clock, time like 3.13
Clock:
1.23
